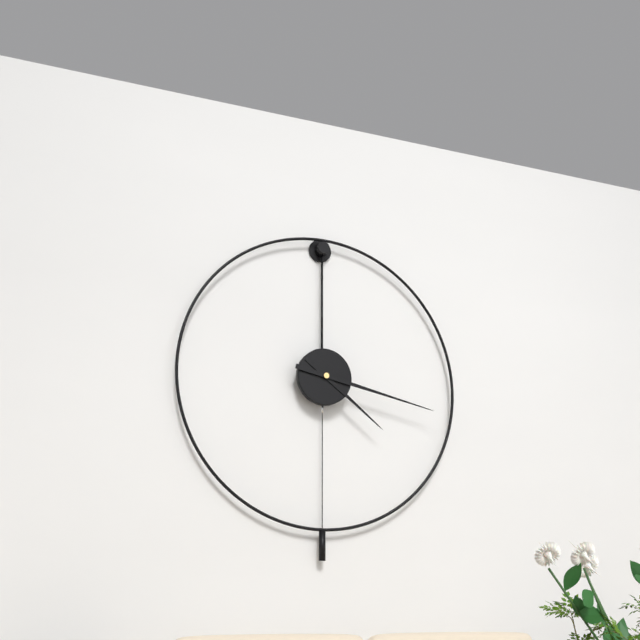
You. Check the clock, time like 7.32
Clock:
4.17
